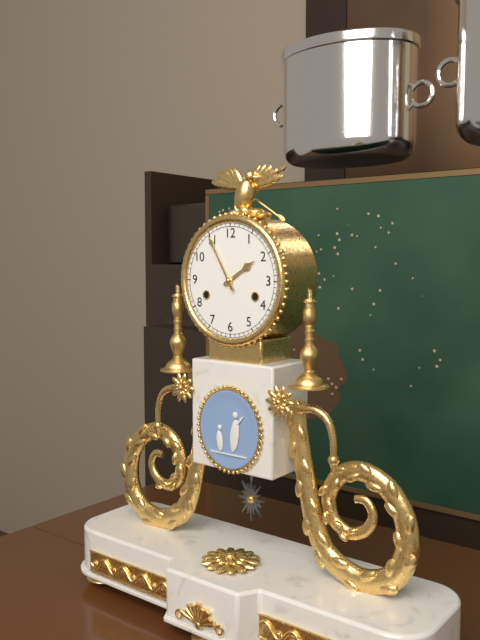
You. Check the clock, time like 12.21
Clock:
1.55
